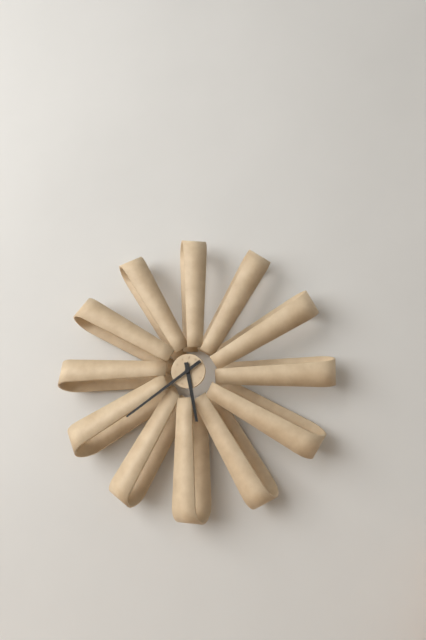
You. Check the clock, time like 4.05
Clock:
5.39
